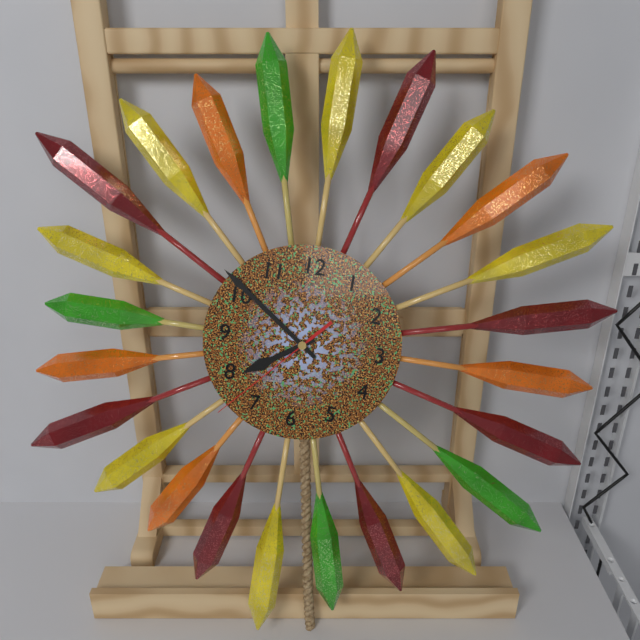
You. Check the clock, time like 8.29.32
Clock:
7.51.37
